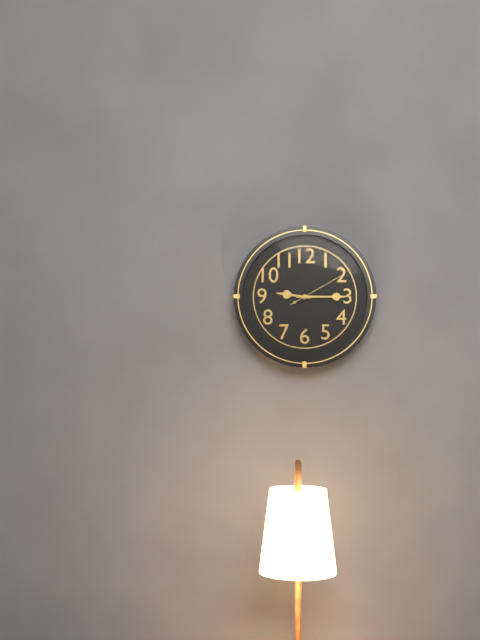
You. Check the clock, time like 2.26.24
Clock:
9.15.10
